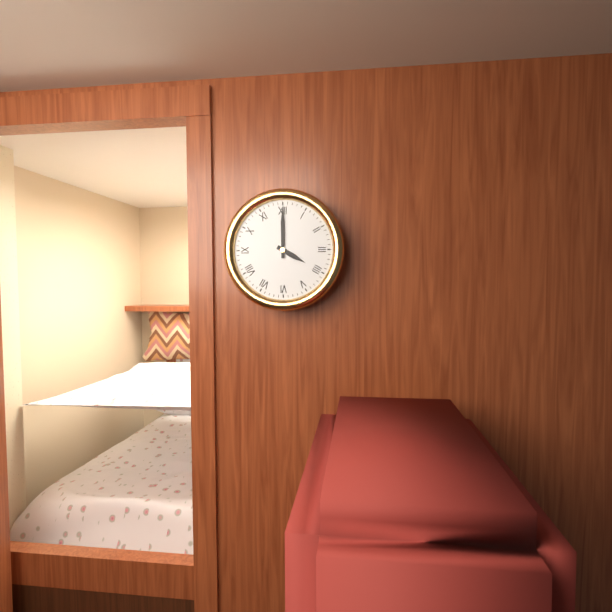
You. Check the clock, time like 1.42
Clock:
4.00
